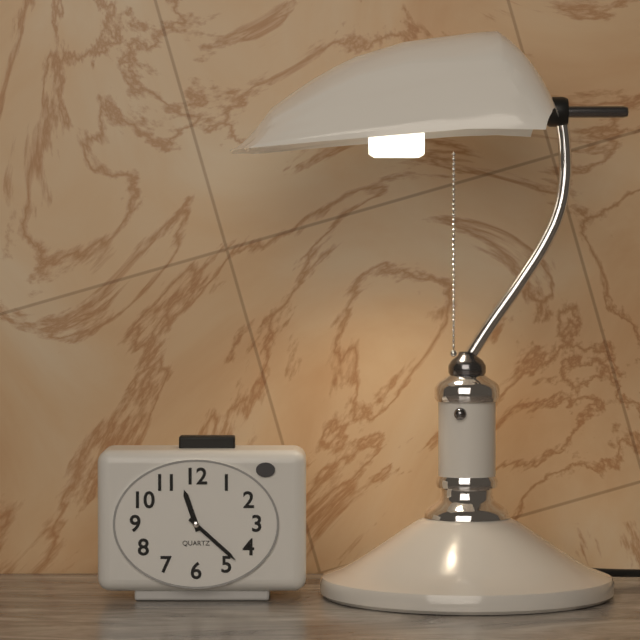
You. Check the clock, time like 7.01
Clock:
11.22
